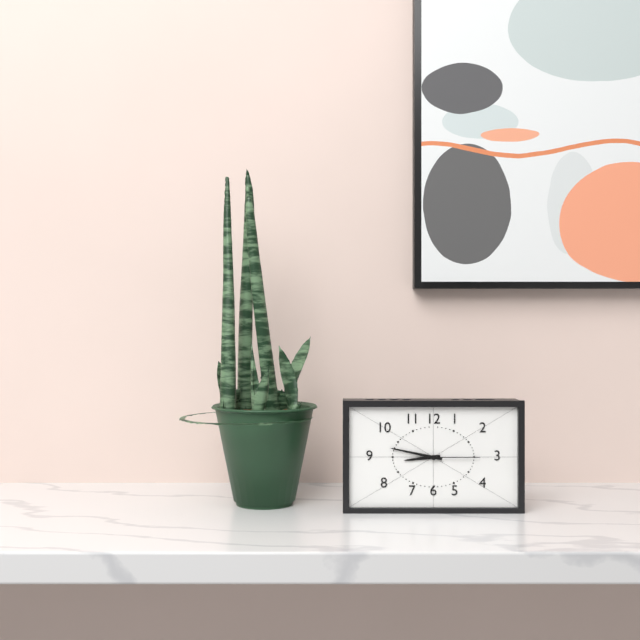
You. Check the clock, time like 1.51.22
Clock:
8.47.15
